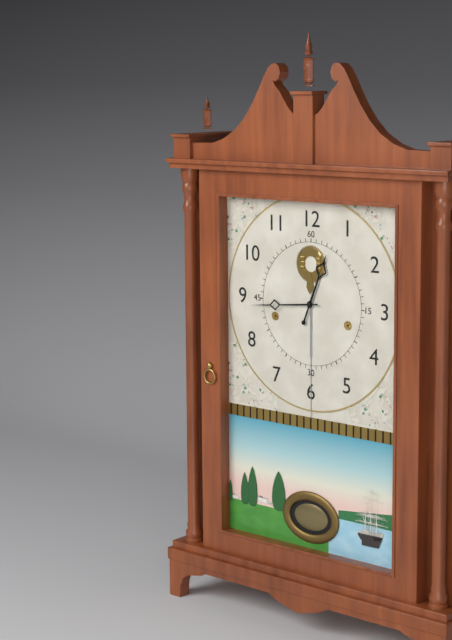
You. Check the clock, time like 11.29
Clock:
12.44
